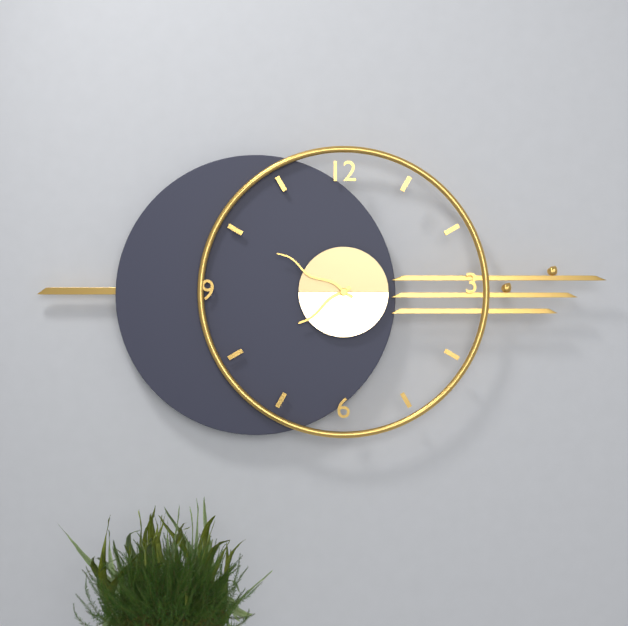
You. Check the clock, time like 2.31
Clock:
7.50
